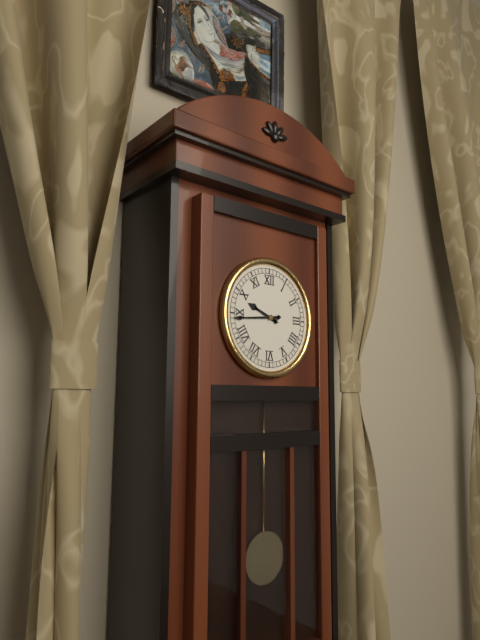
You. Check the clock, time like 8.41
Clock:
9.44
